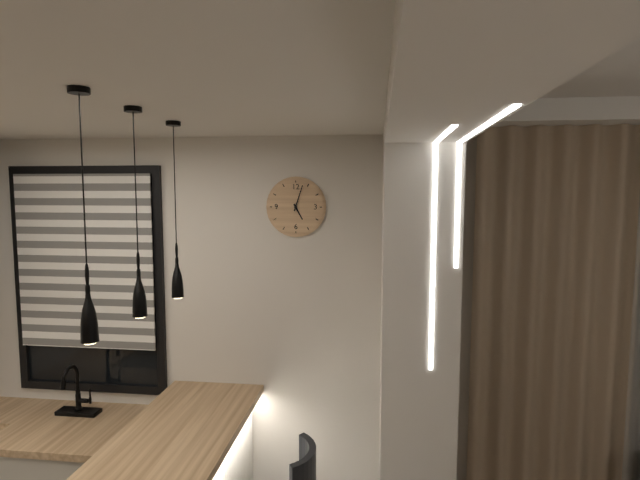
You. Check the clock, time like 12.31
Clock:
5.03
